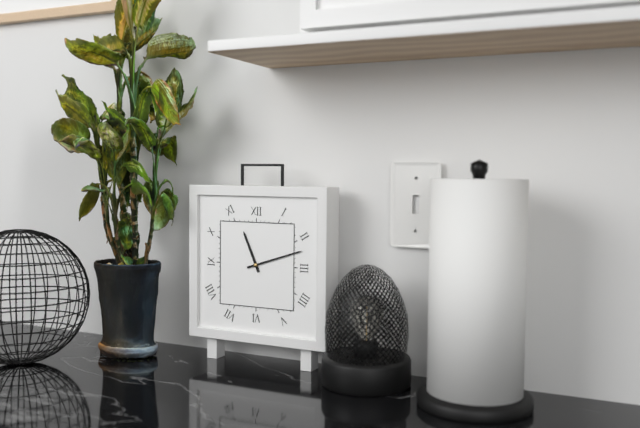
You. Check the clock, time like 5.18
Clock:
11.12
